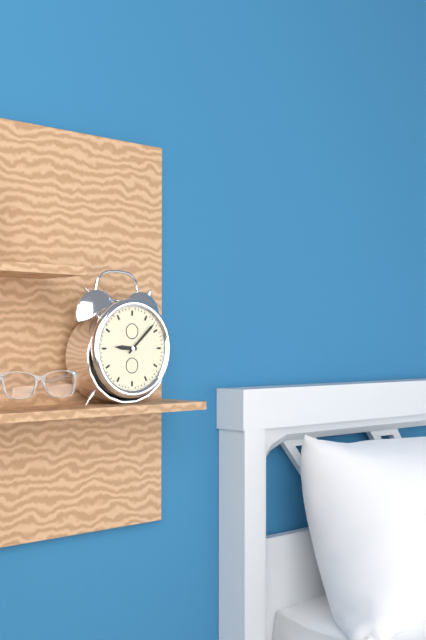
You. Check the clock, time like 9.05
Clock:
9.08
